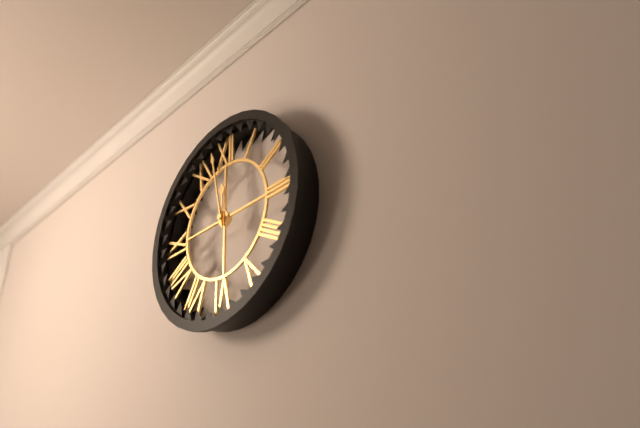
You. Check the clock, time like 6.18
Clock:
11.58
